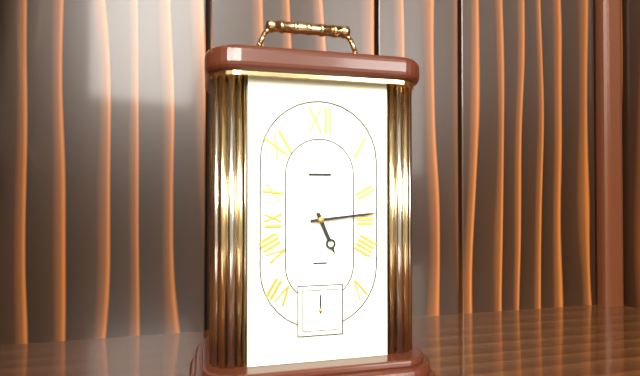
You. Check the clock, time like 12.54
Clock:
5.14
